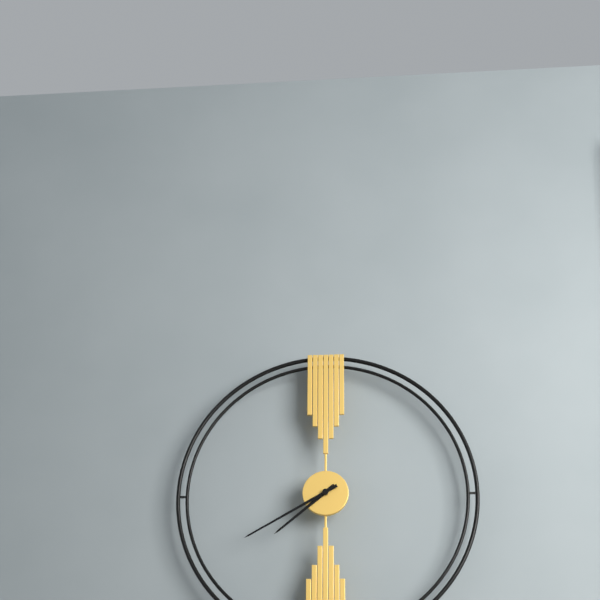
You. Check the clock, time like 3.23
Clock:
7.40
